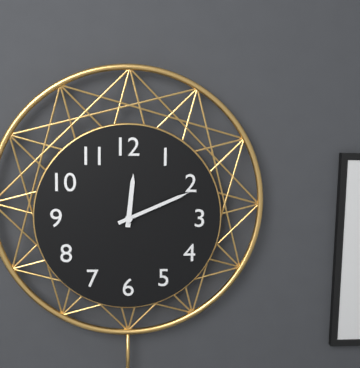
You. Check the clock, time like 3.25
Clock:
12.11
